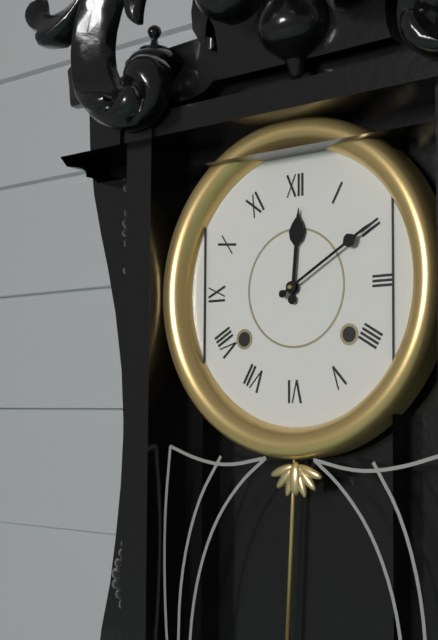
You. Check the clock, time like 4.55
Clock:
12.10
